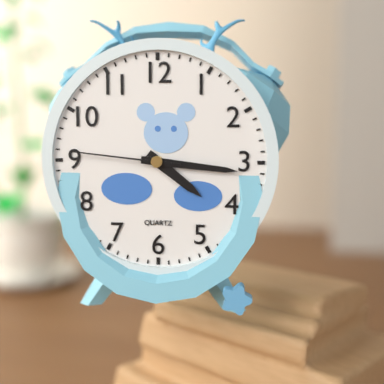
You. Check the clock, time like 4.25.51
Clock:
4.16.46
